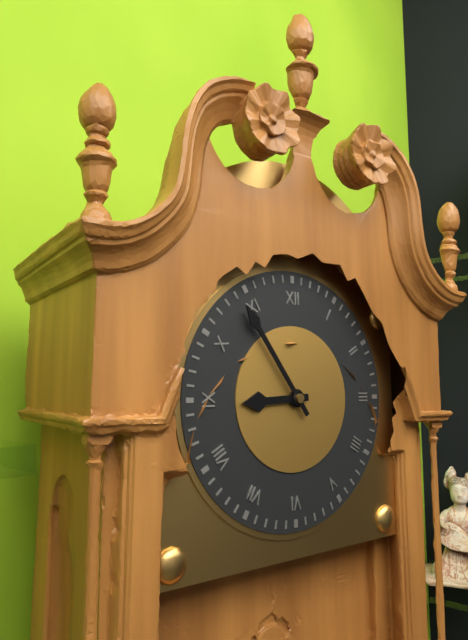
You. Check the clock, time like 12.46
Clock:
8.54
